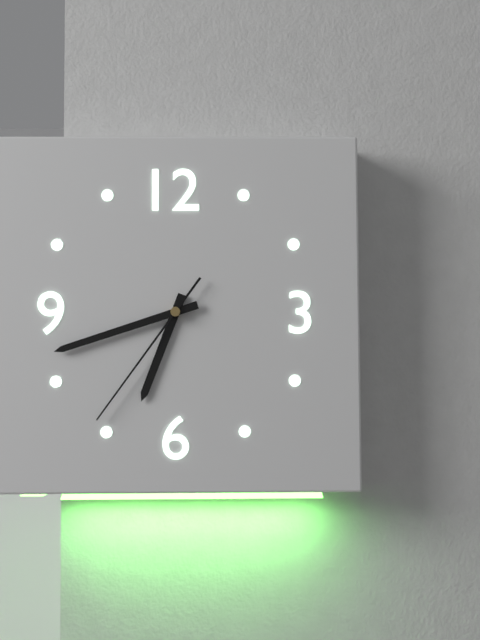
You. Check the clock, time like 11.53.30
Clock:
6.42.36
